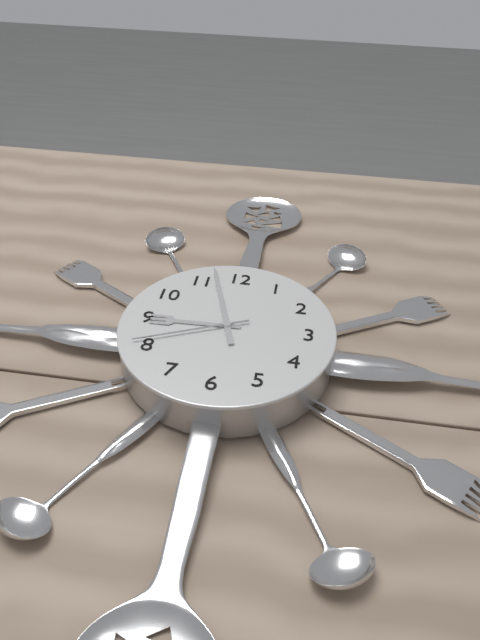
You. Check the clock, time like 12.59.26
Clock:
8.57.41
